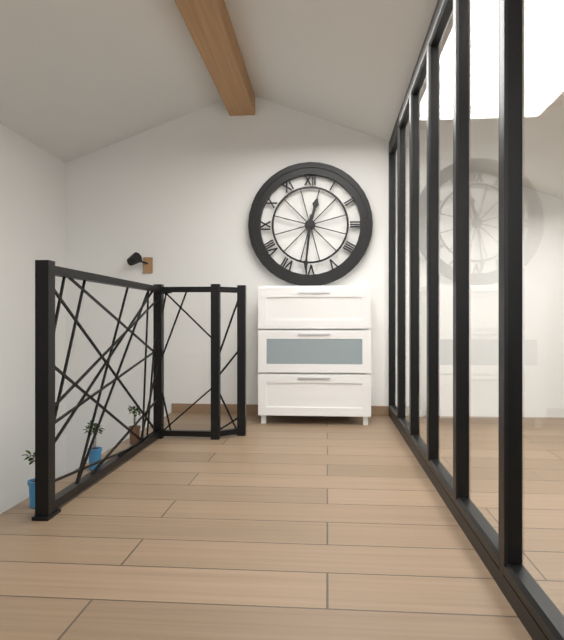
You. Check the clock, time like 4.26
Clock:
12.31
